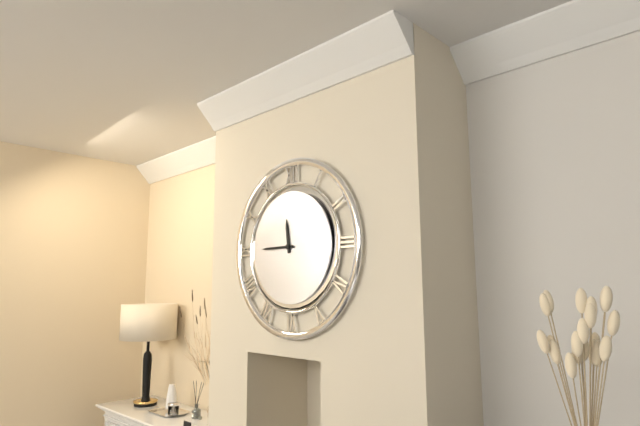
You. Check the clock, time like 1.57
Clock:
11.45
